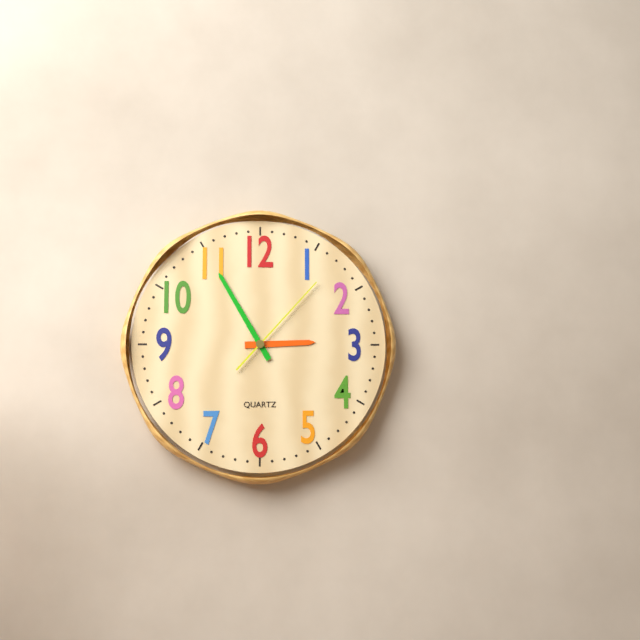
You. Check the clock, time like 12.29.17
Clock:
2.55.07
